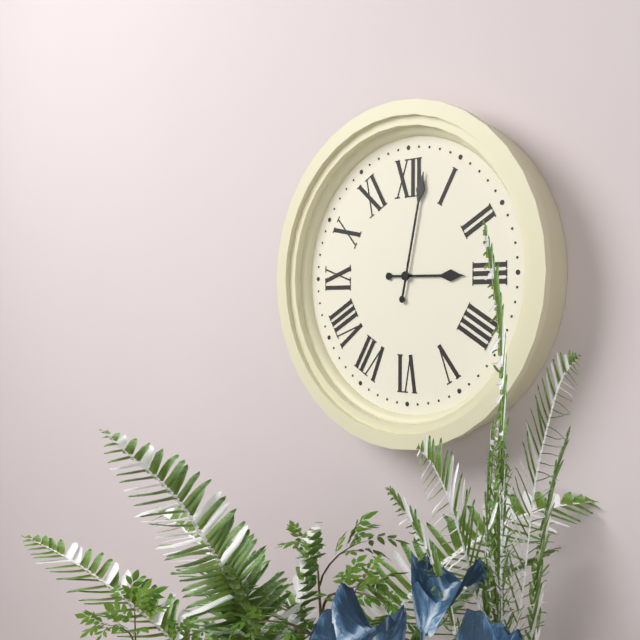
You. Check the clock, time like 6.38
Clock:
3.02
